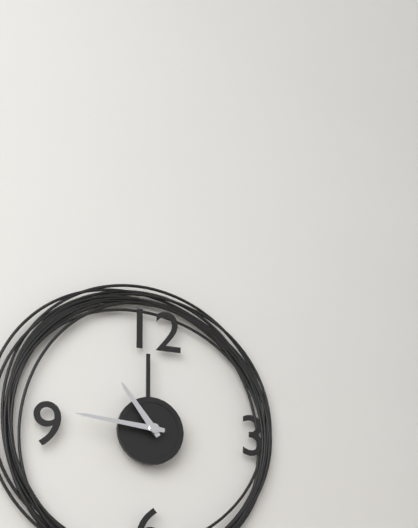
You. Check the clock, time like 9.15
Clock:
10.46
